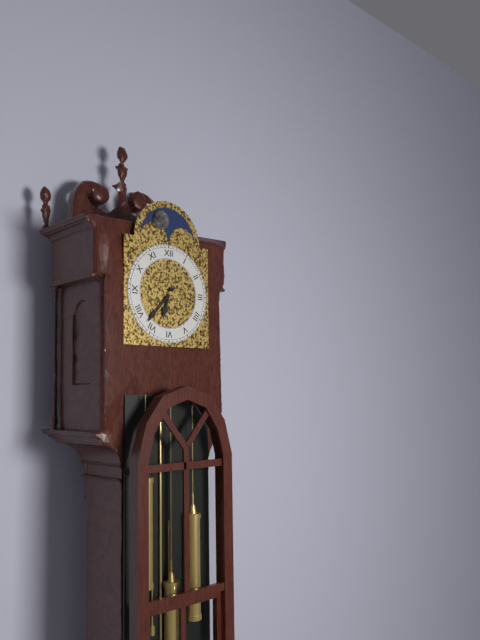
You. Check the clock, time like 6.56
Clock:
6.37
